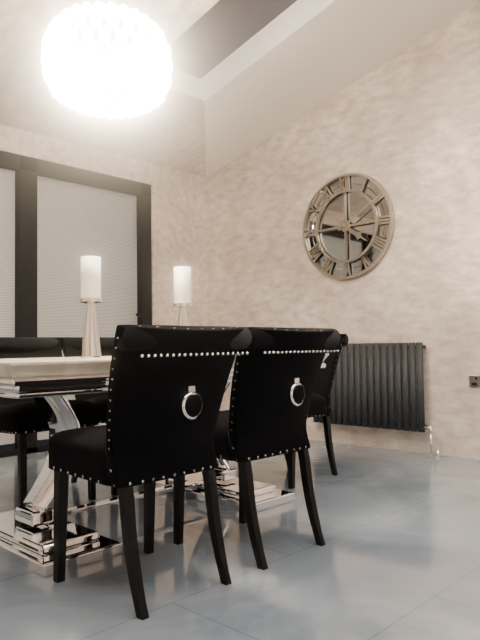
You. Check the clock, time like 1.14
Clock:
4.10
